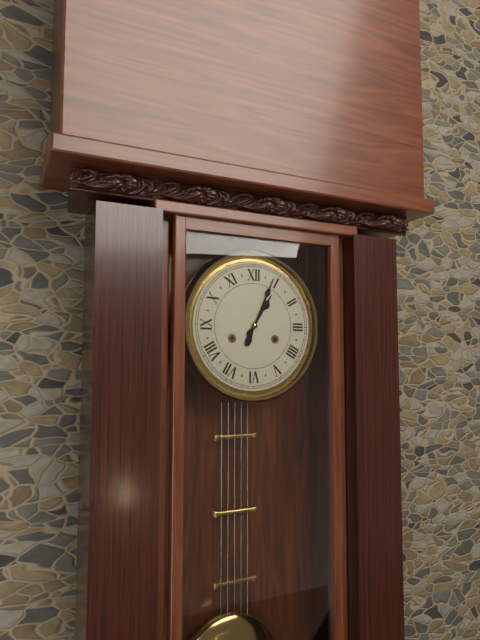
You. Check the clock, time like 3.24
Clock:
1.04
